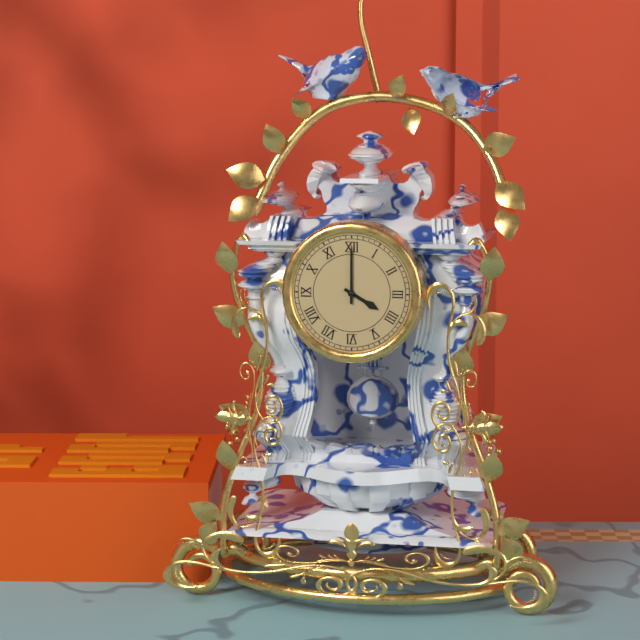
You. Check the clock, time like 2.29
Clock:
4.00
